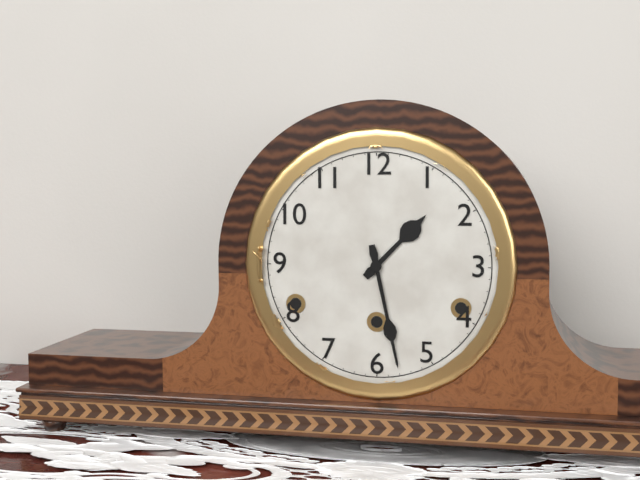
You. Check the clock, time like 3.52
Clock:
1.28
